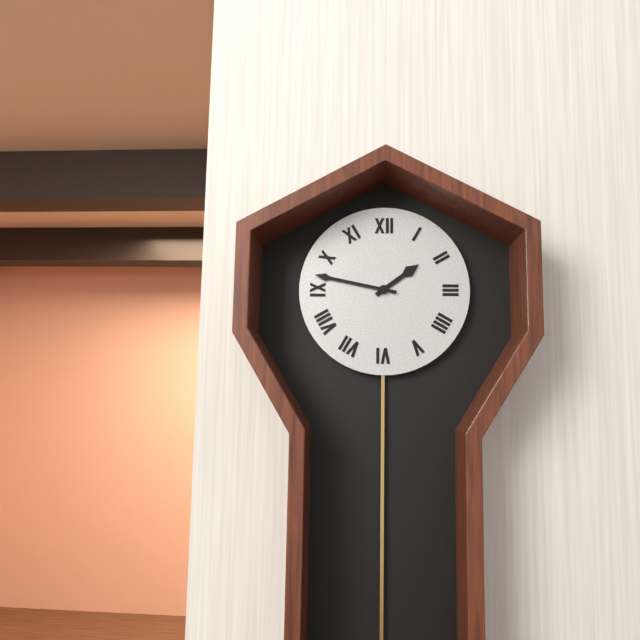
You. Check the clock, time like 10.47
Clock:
1.47
